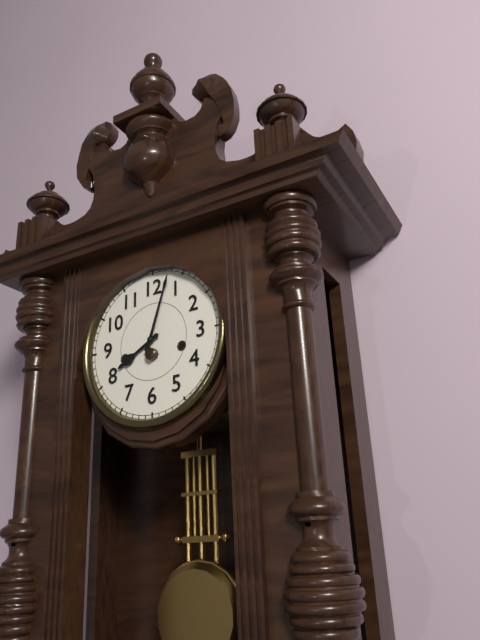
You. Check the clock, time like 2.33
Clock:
8.03
